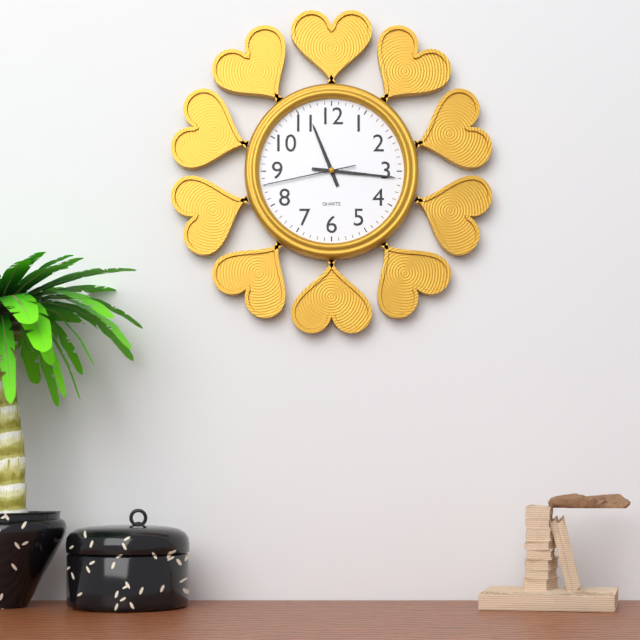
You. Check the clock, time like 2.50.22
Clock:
11.16.43
